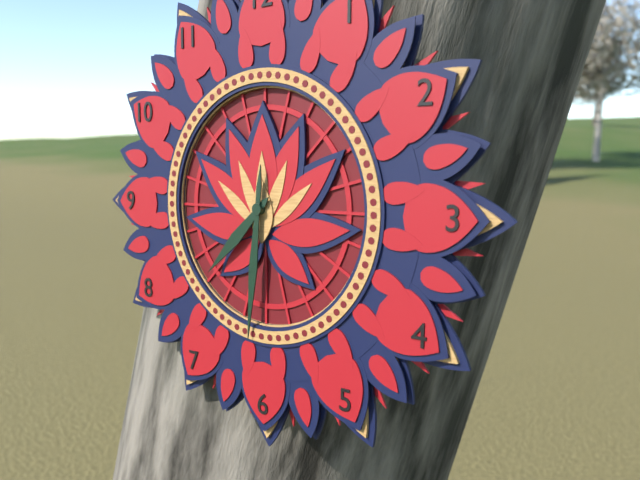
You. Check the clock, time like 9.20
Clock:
7.31
